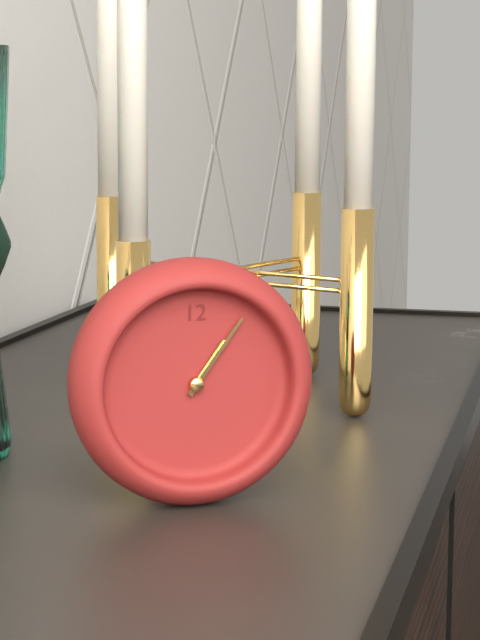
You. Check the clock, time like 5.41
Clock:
1.06
